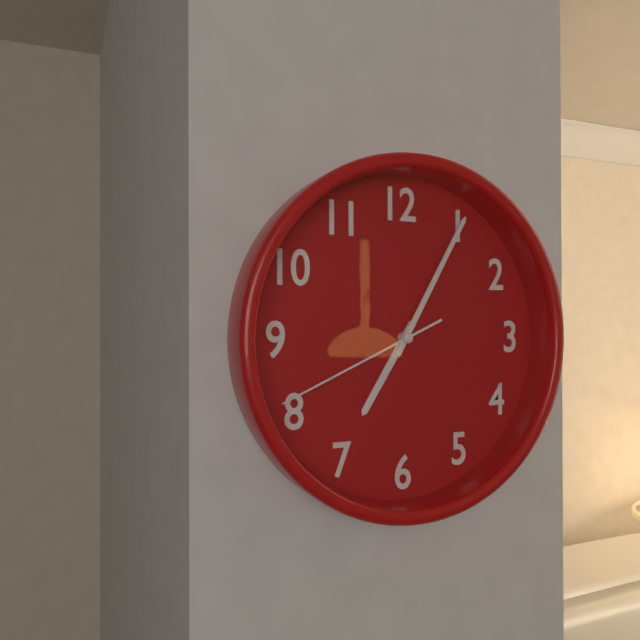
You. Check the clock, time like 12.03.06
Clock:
7.05.41
